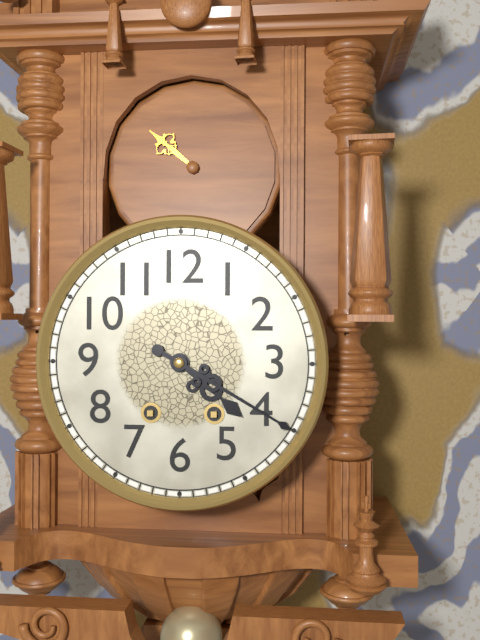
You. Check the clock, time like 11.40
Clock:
4.20
